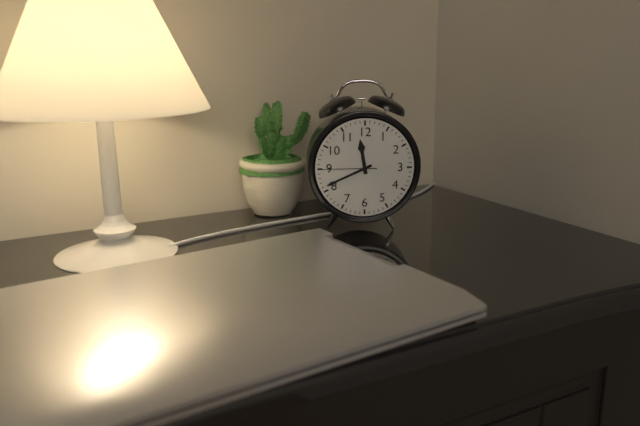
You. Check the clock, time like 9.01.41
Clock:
11.41.45
